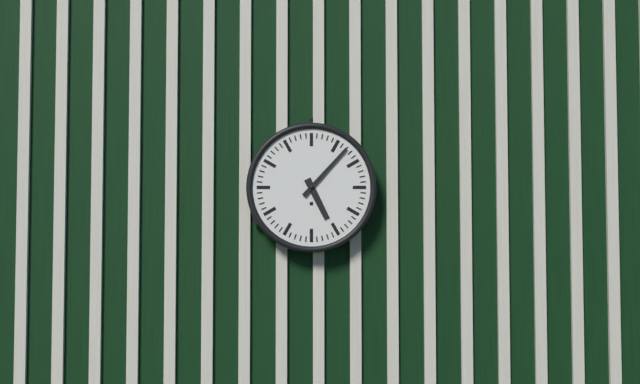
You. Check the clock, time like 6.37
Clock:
5.07
